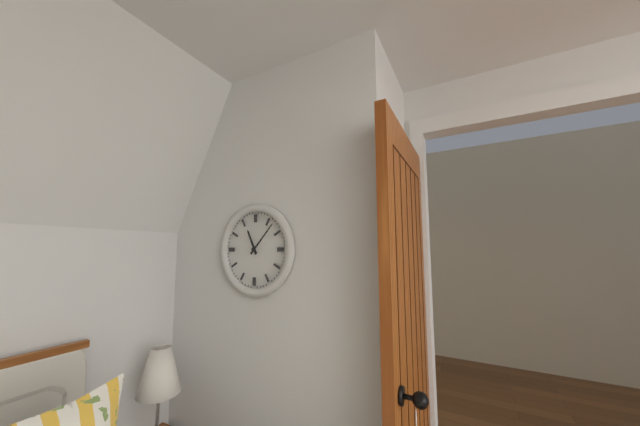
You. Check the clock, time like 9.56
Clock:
11.07
